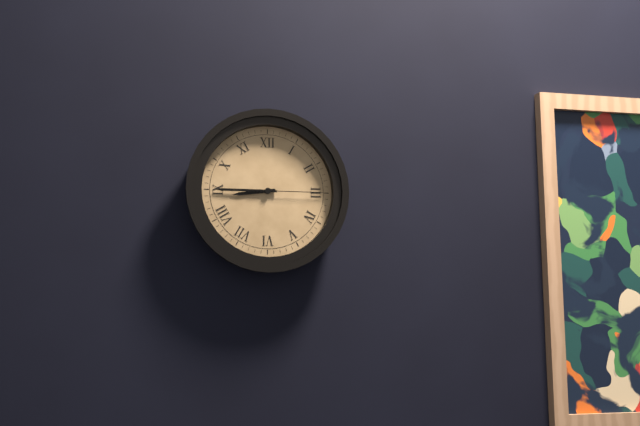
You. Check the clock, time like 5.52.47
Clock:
8.45.15
